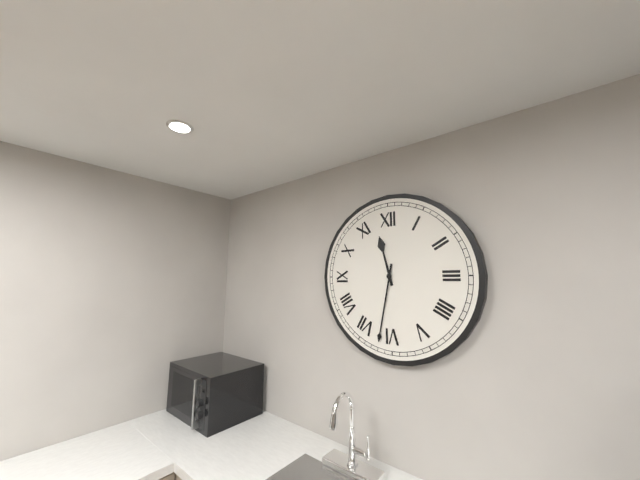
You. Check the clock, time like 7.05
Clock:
11.32
